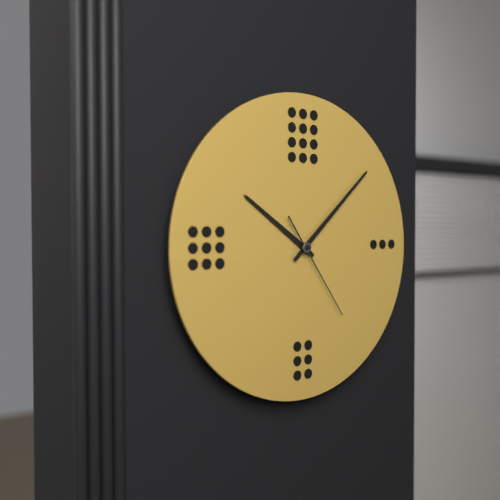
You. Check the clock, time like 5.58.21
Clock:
10.08.24
